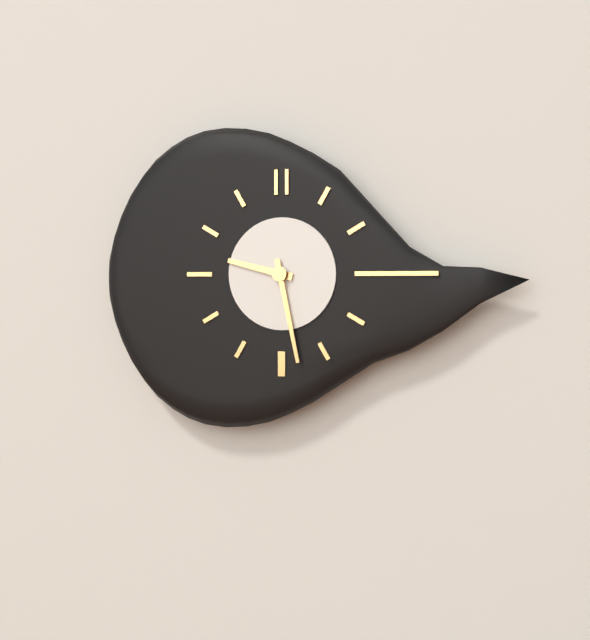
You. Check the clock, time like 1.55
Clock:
9.28
